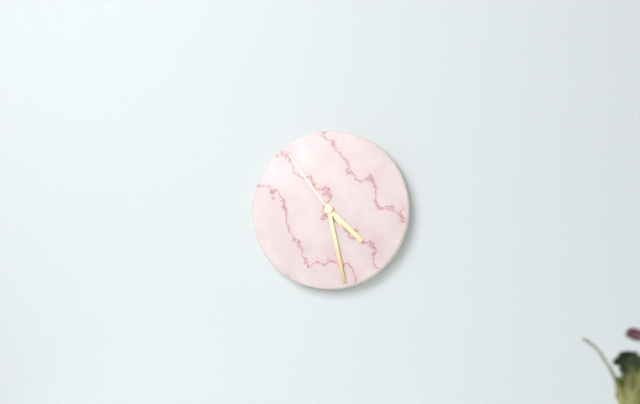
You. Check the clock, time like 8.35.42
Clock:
4.28.54
